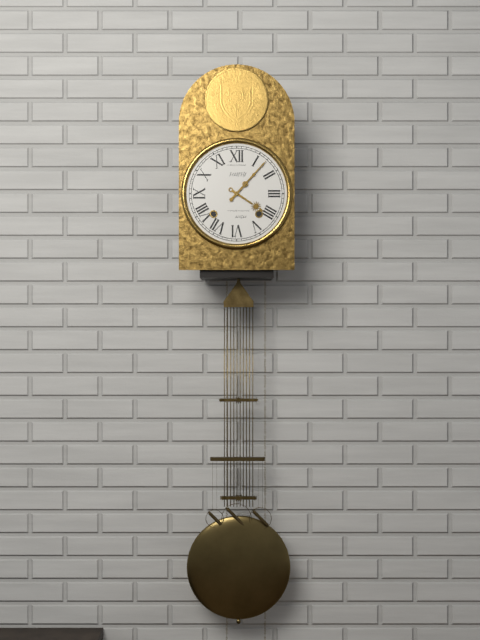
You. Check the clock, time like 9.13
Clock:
4.07
